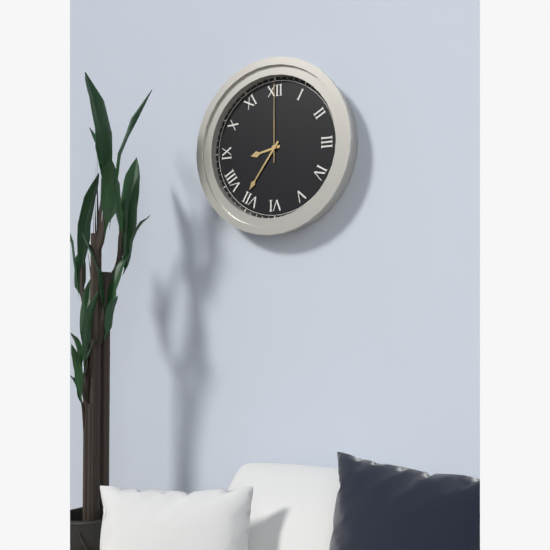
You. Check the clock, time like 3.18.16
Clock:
8.36.00
